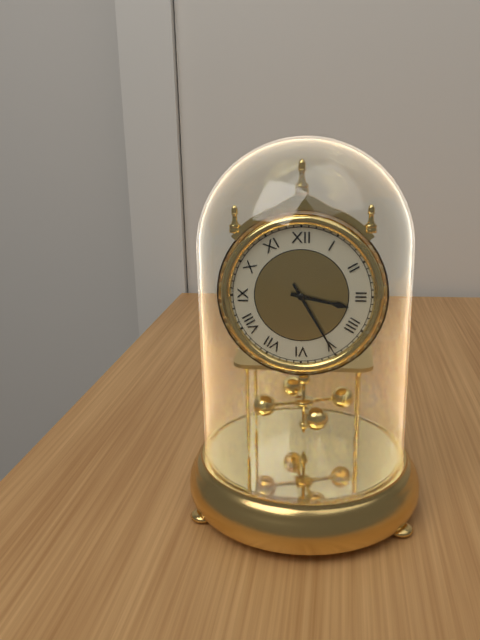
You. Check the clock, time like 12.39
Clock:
3.25
